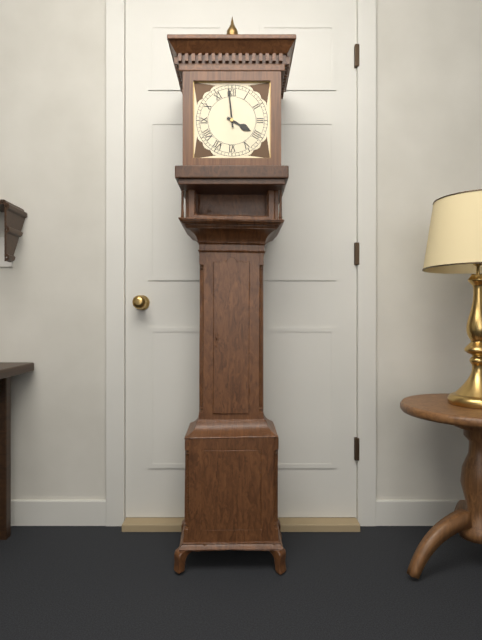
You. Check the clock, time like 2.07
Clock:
3.59
